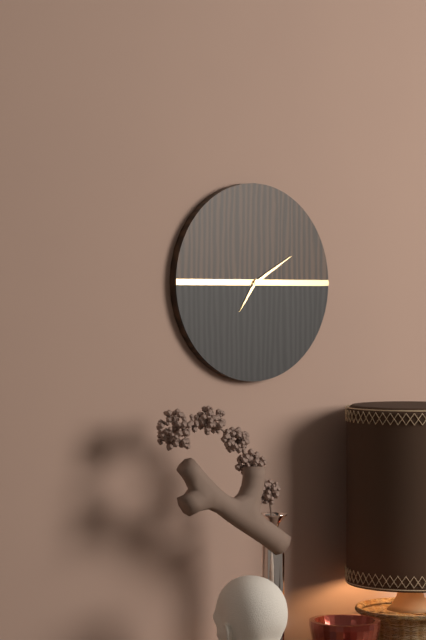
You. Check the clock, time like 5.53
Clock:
7.10
